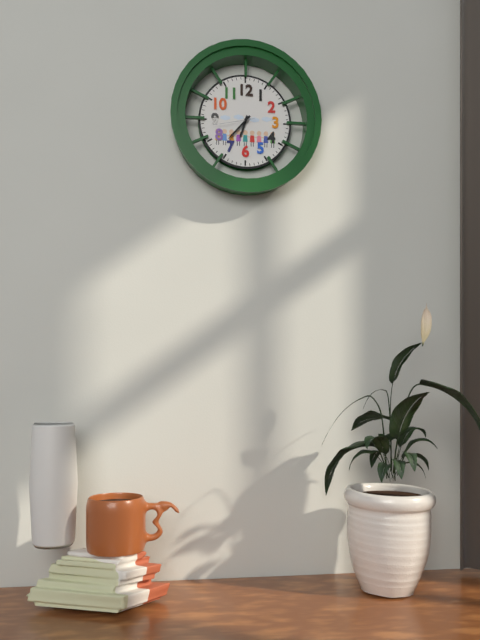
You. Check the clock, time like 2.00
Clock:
6.37
